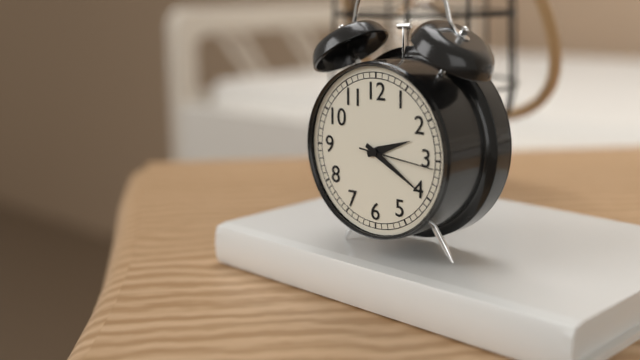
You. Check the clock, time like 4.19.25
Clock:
2.20.16
